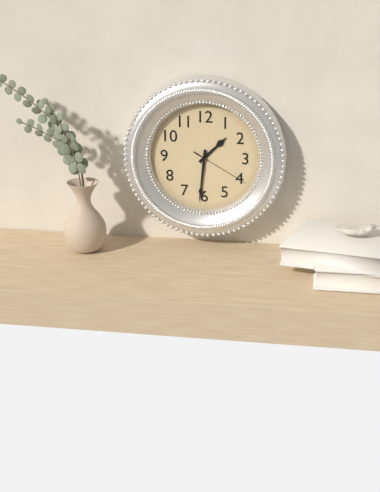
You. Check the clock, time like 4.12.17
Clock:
1.31.20
